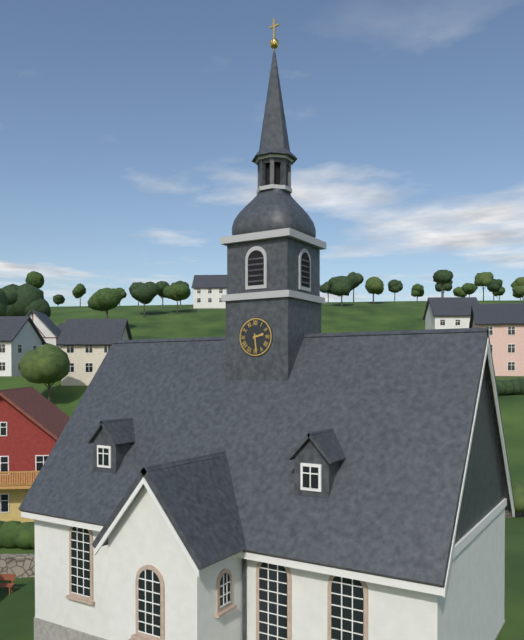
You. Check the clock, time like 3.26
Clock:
2.29
